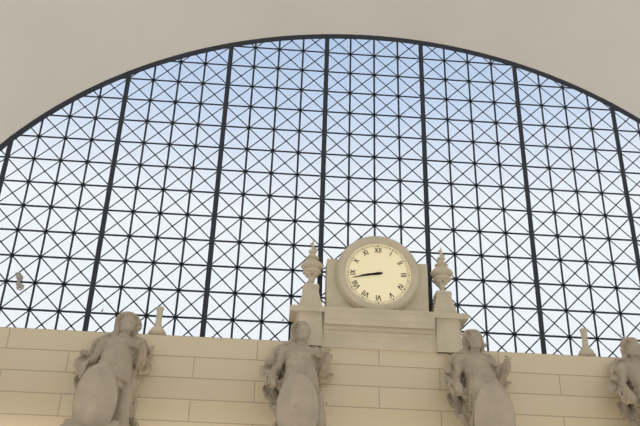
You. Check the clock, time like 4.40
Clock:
8.43
